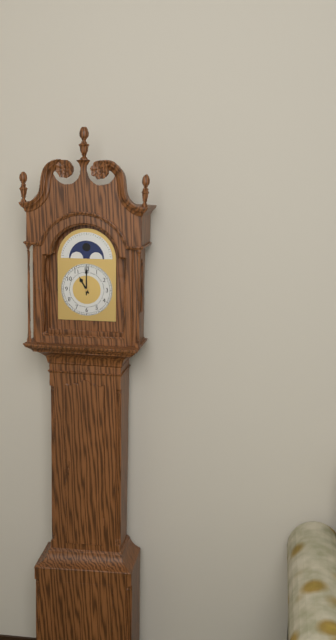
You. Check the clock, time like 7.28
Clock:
11.00
